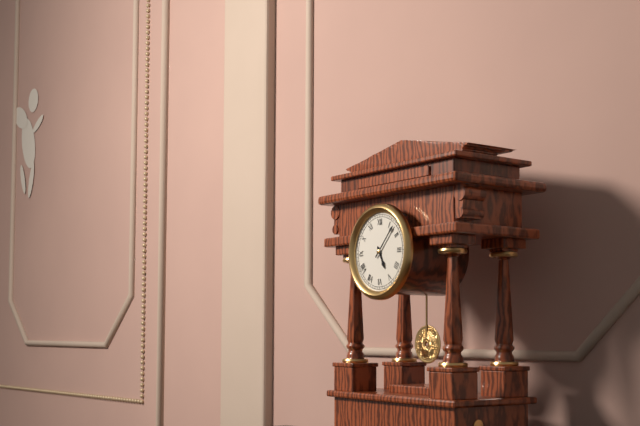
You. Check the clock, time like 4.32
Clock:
5.07
